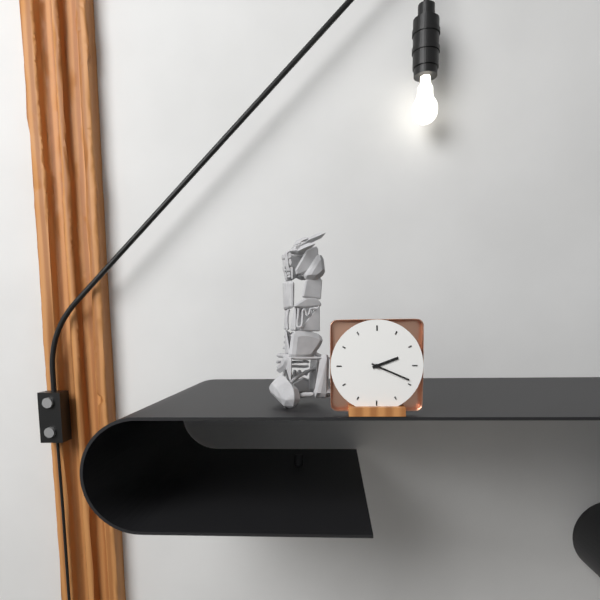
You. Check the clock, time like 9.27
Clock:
2.19
